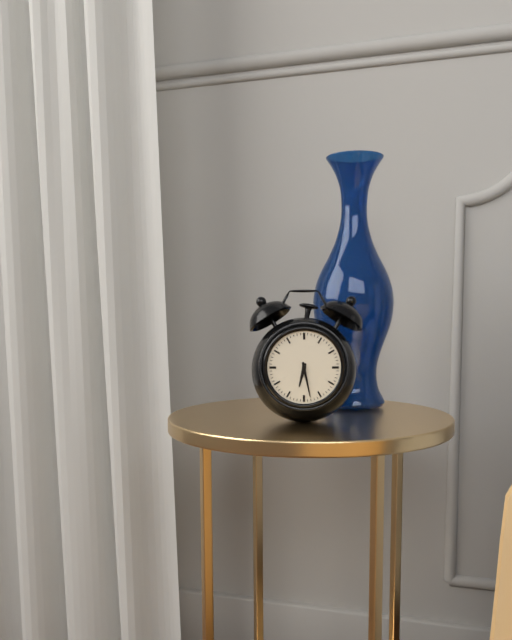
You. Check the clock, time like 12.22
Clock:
6.28
